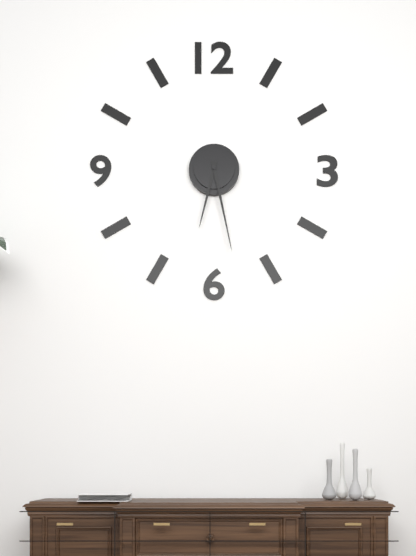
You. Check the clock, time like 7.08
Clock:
6.28
